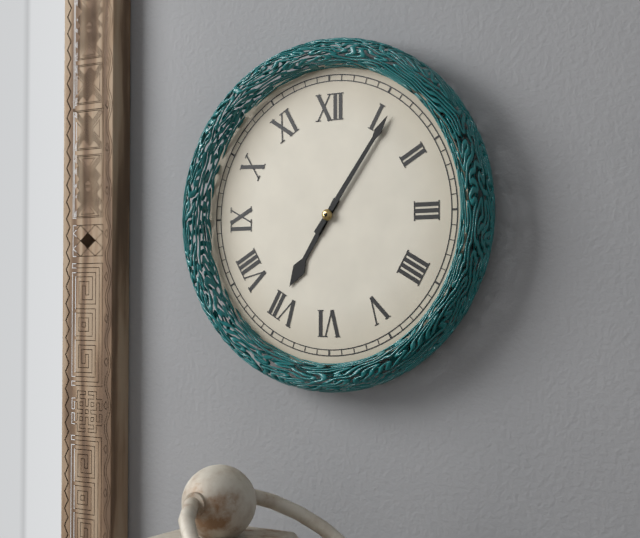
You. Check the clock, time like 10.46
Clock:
7.06
